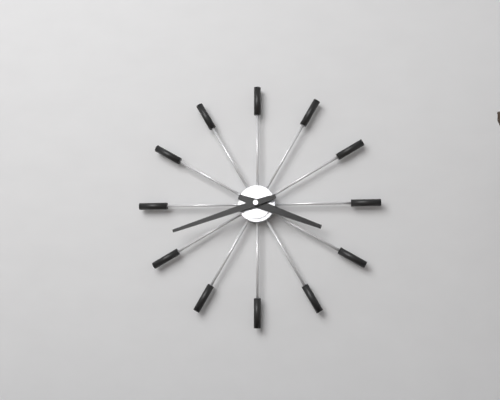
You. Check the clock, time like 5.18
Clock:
3.42
